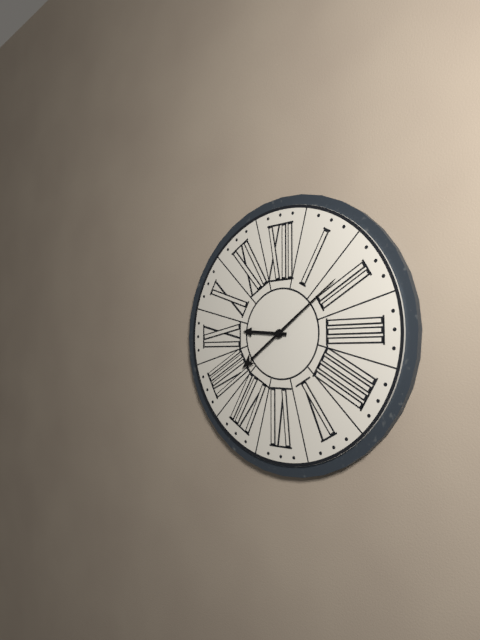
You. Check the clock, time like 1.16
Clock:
9.09
